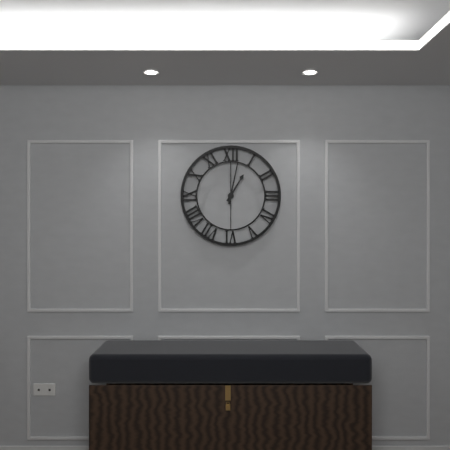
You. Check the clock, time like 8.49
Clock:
1.02
